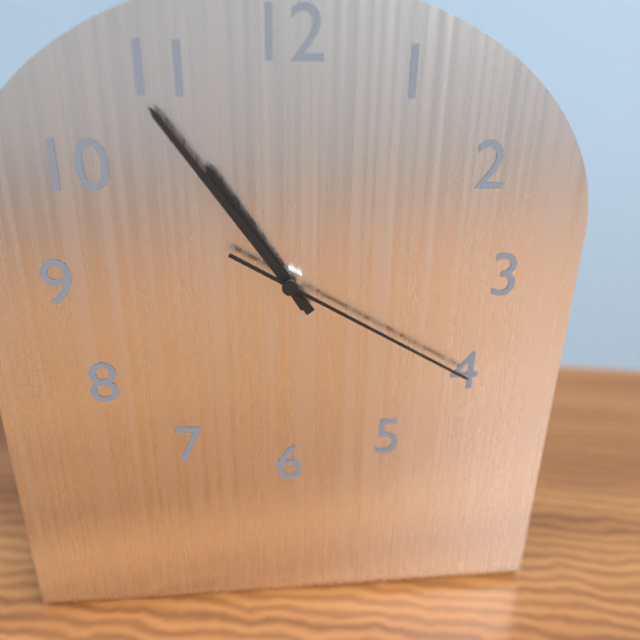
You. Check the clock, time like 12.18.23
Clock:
10.54.20
